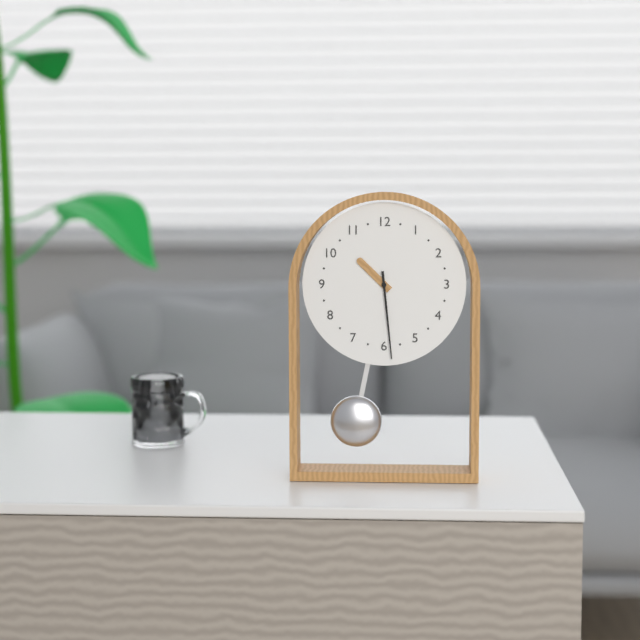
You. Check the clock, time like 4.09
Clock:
10.29
